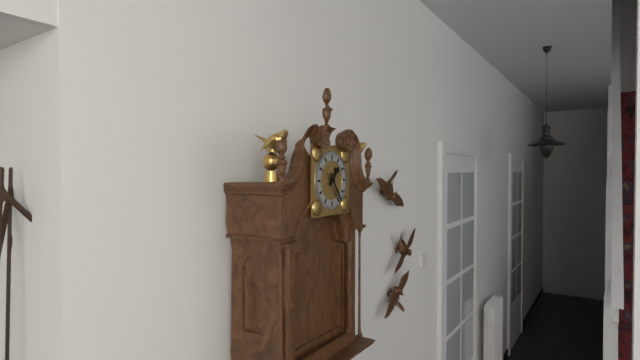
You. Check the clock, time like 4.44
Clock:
1.24
